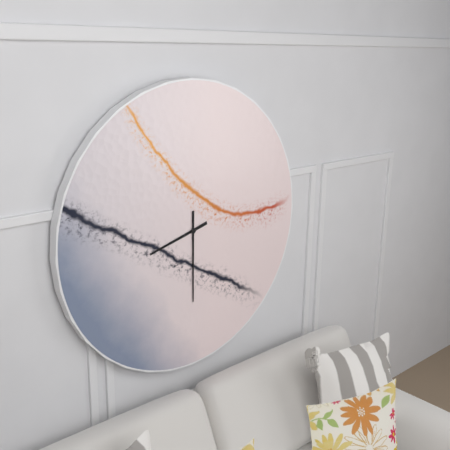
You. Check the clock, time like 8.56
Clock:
8.30
